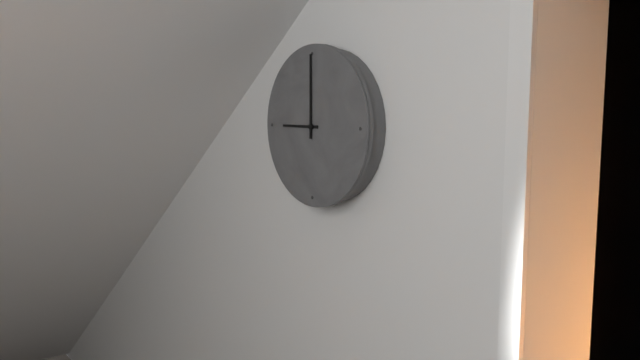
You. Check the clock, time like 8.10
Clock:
9.00
